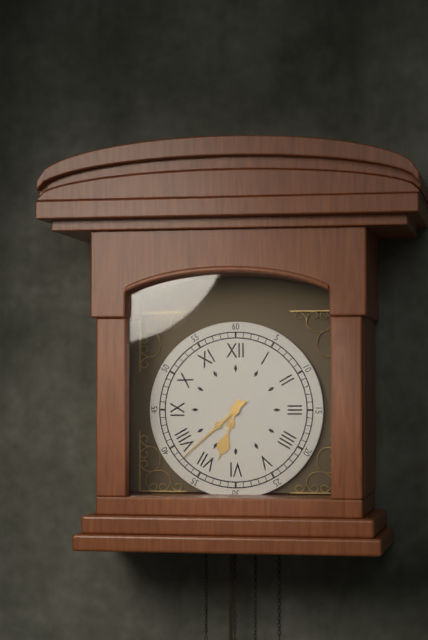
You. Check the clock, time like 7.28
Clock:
6.38
